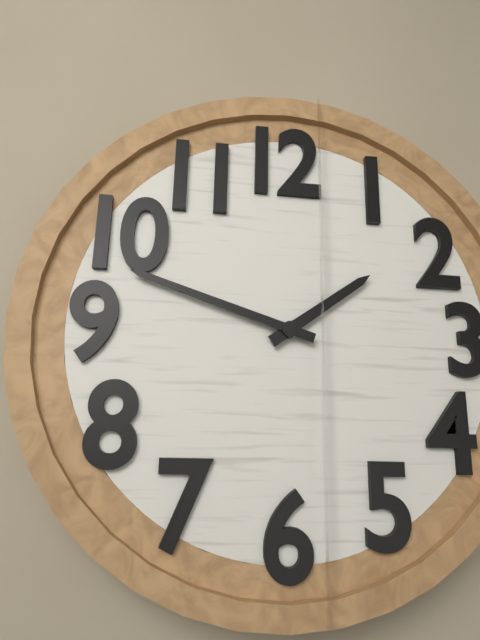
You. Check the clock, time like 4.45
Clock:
1.48
